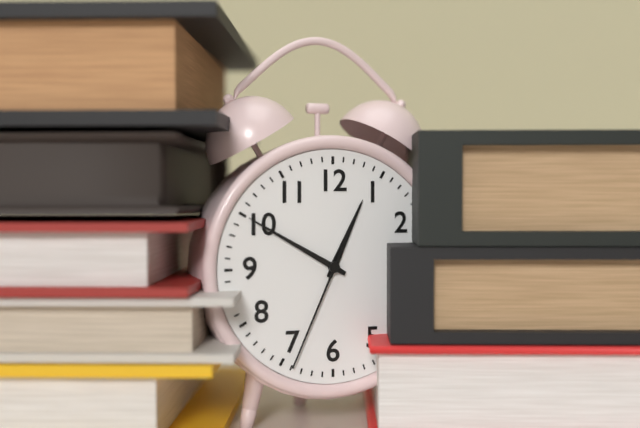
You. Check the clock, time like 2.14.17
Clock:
12.50.34
